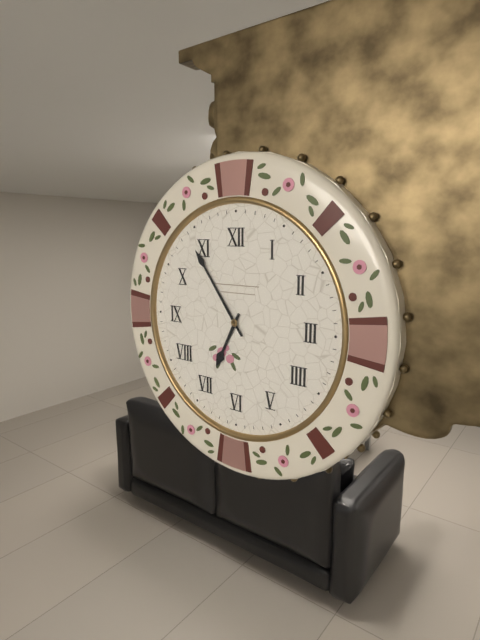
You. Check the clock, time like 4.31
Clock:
6.54
